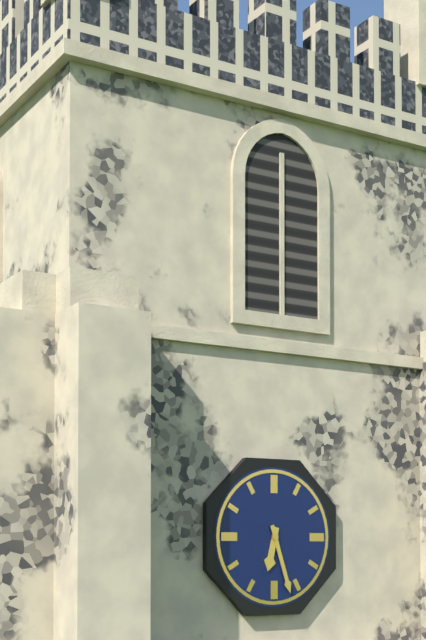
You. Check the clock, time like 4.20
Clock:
6.27
